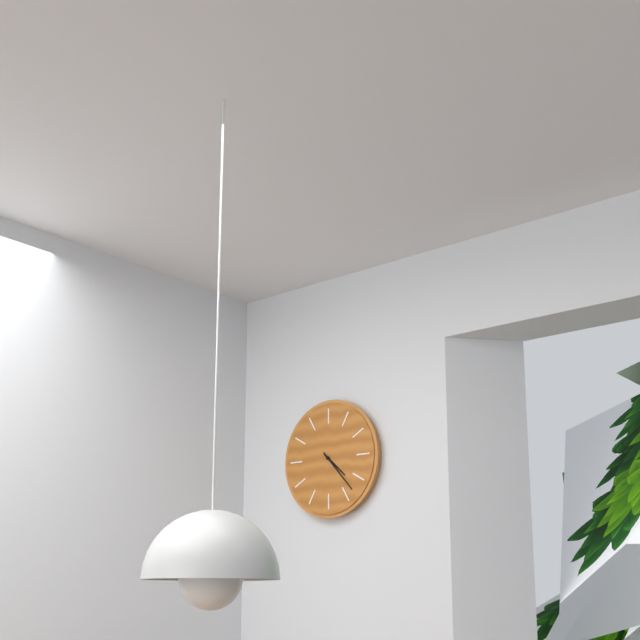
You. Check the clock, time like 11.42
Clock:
4.23
